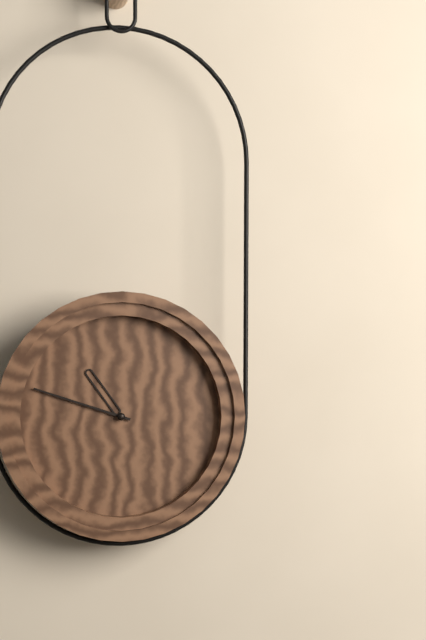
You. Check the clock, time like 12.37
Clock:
10.48
